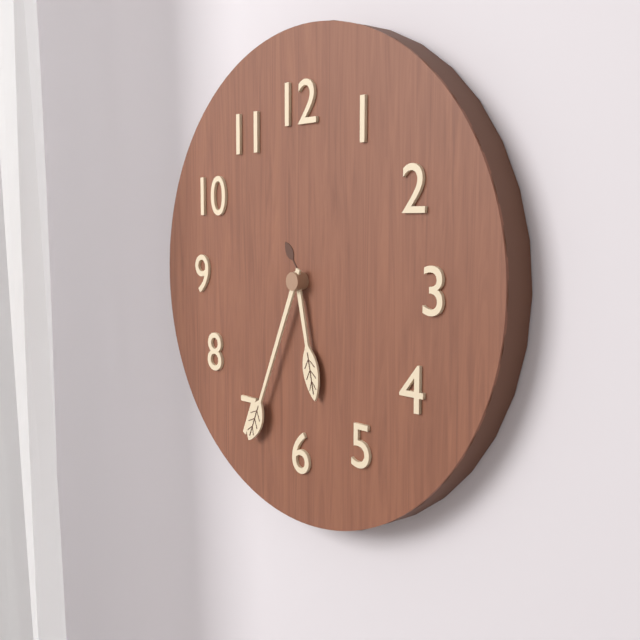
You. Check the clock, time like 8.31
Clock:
5.34
